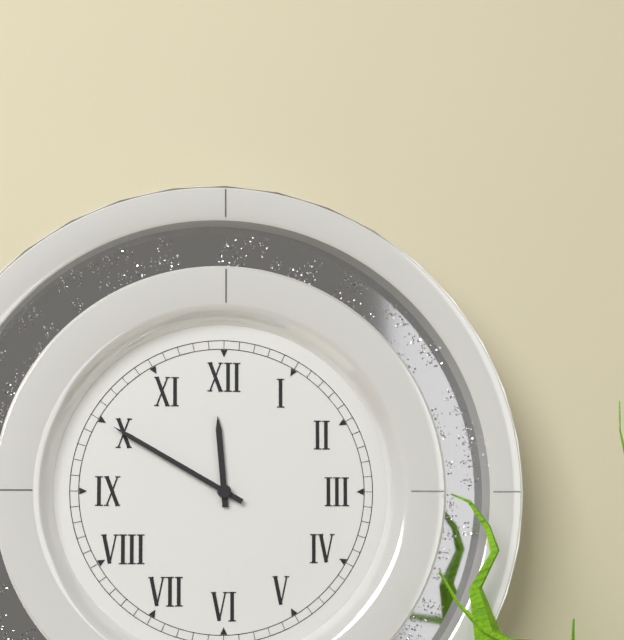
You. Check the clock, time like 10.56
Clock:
11.50
